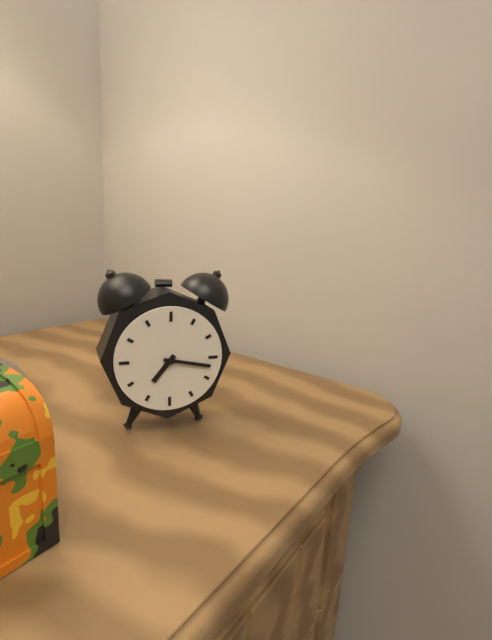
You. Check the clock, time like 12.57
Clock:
7.17
